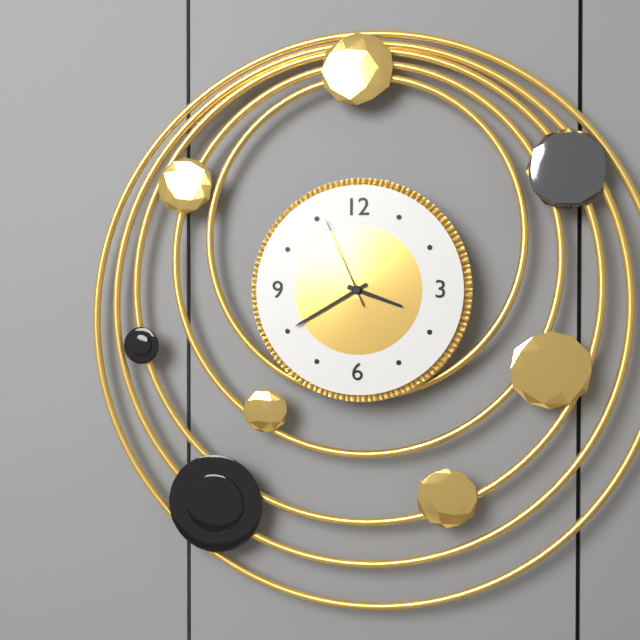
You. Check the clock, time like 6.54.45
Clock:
3.40.56
